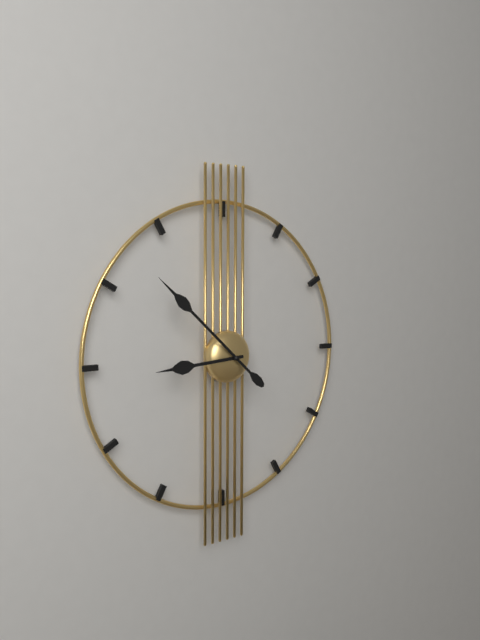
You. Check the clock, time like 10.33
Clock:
8.52
